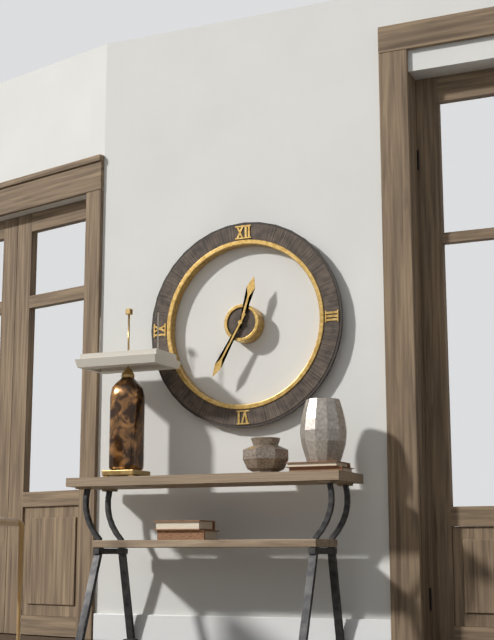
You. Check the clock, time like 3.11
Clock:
12.35
